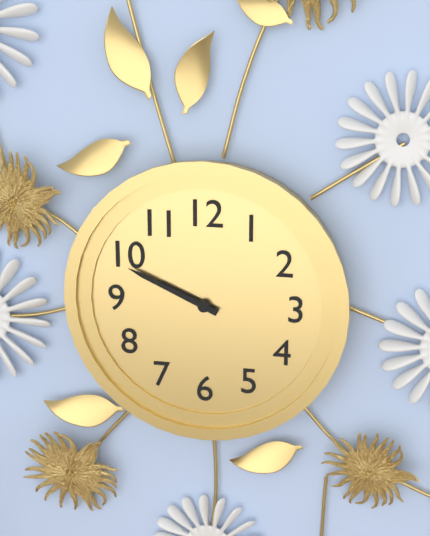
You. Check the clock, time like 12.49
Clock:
9.49
